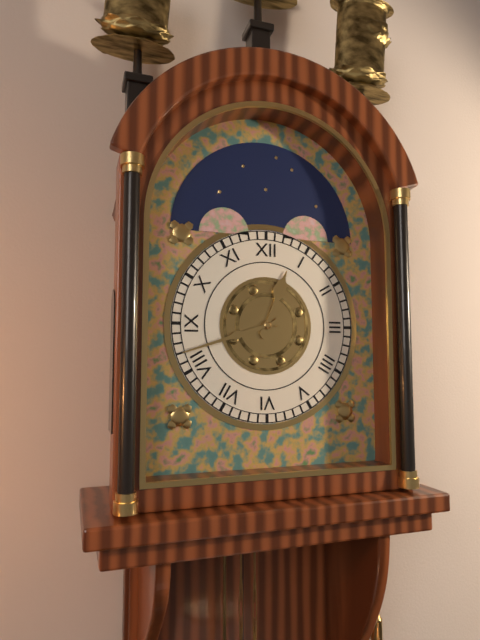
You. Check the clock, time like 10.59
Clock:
12.42
